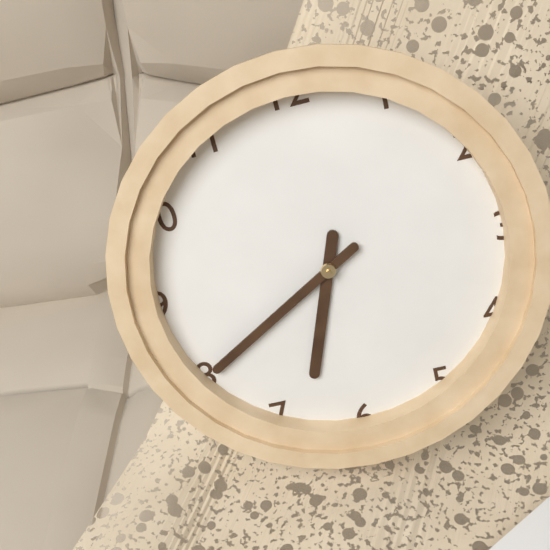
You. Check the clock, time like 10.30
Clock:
6.40
